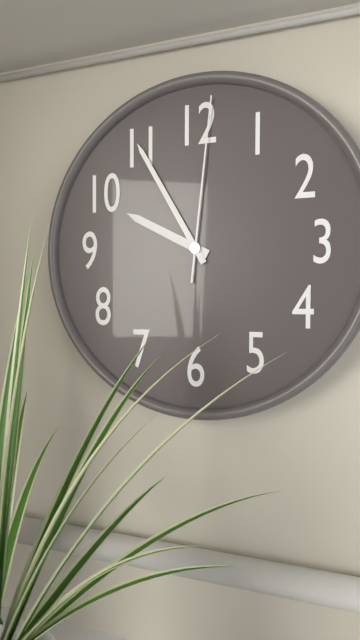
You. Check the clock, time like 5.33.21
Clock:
9.55.01
